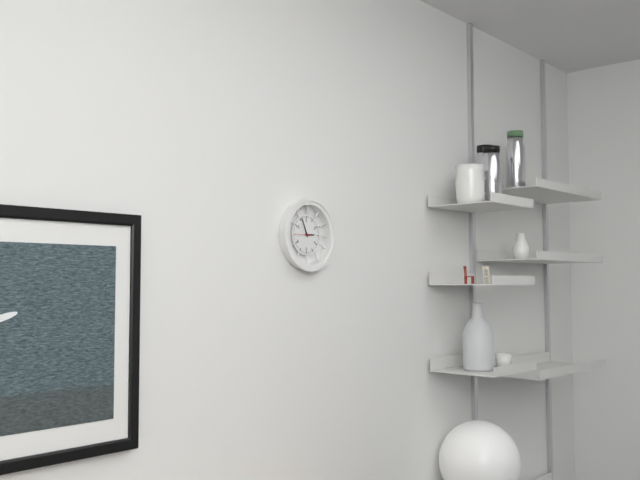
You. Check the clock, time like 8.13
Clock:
2.56
